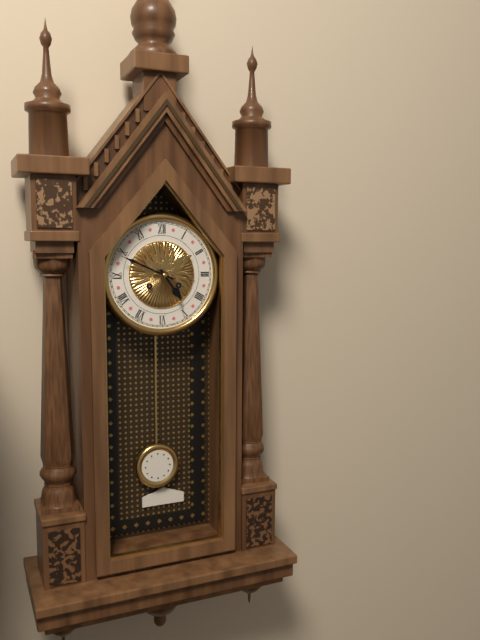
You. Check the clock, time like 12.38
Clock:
4.49
